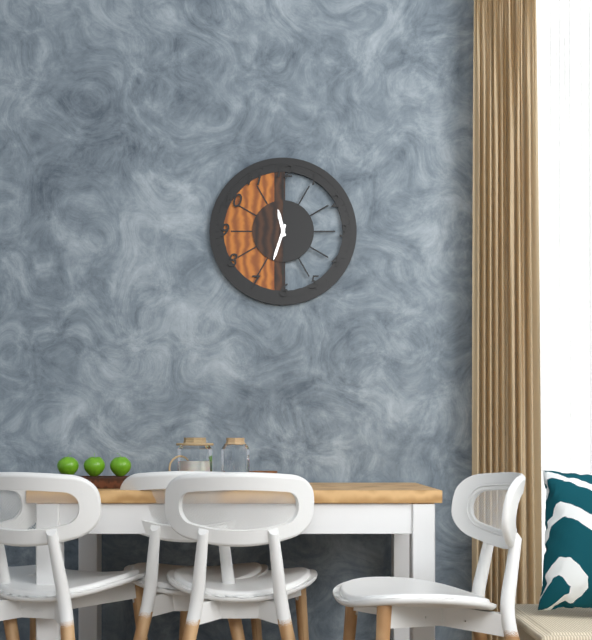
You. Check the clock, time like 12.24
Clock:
11.33
